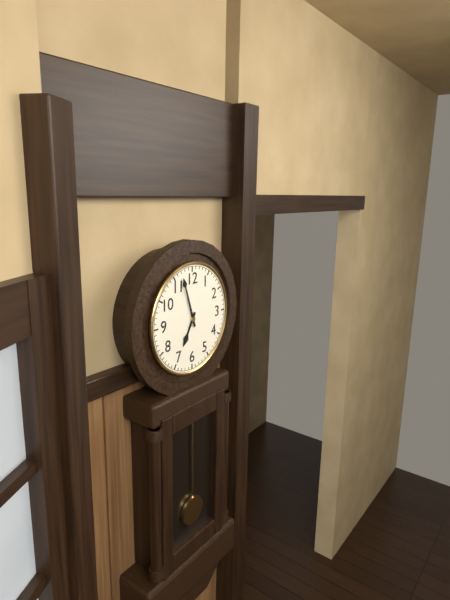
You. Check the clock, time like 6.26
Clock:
6.57
